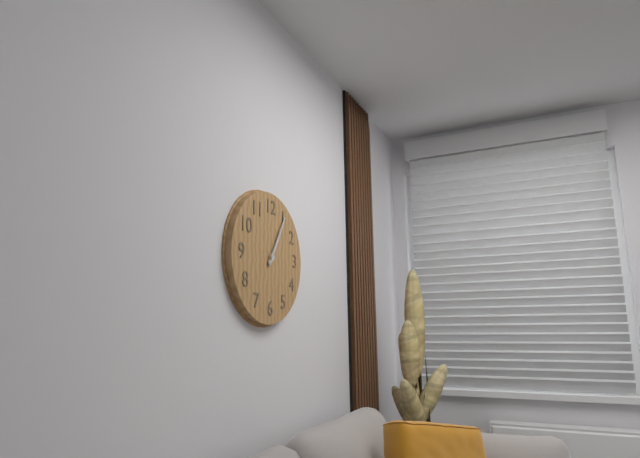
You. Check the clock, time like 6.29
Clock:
1.05
